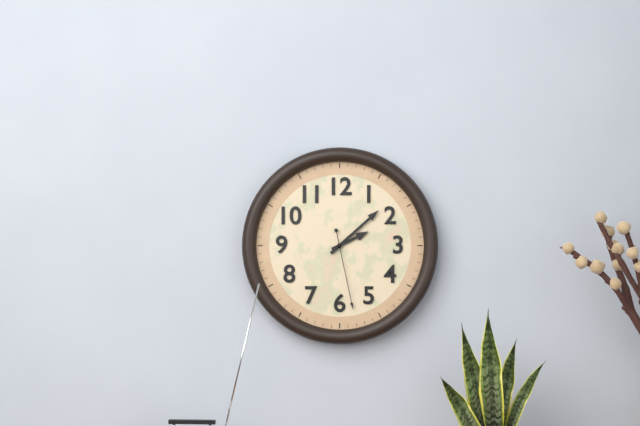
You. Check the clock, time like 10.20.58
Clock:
2.08.28
